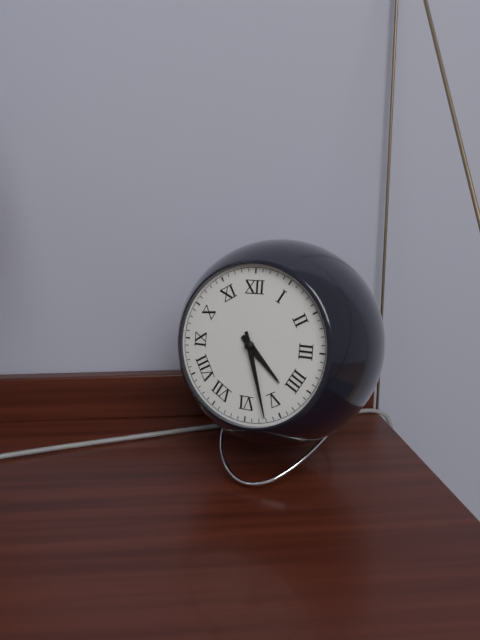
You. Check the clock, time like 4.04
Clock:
4.27
